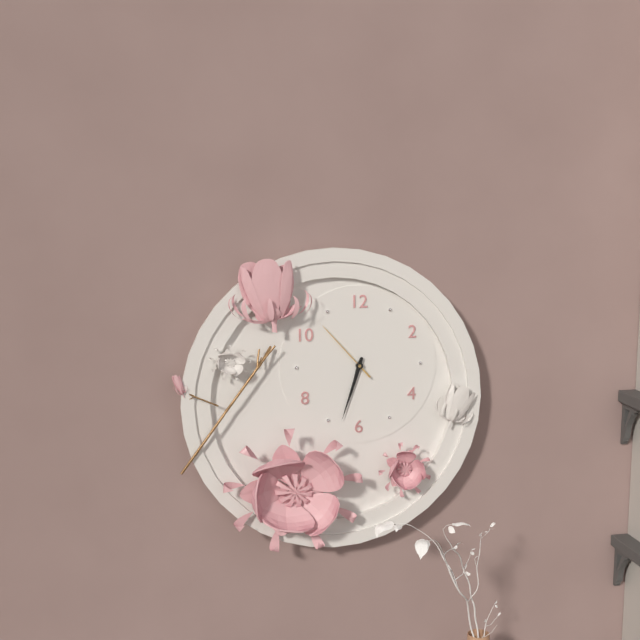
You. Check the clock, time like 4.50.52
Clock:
6.33.53
